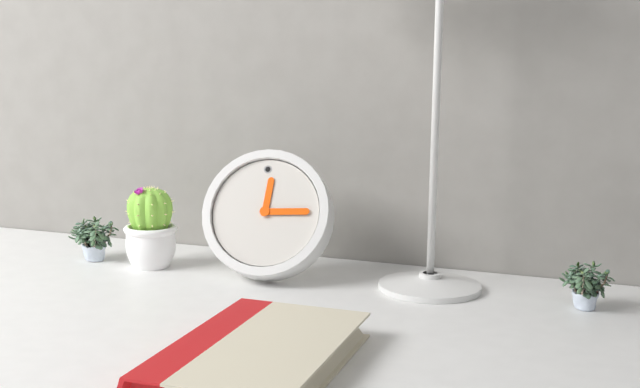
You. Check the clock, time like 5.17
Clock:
12.15
